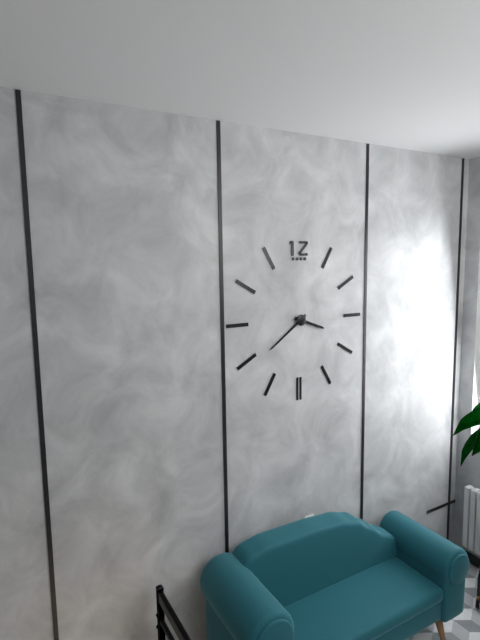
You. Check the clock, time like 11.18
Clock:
3.39
